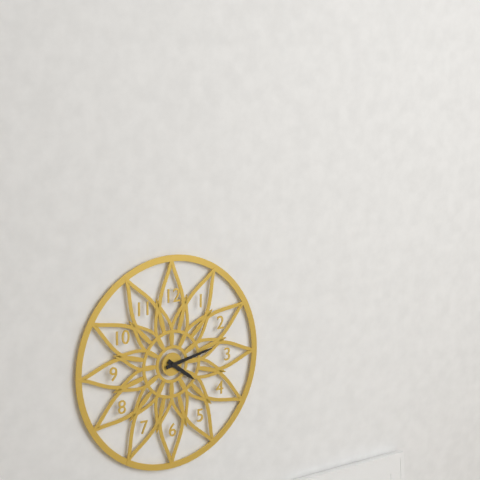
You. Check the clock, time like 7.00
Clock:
4.13
